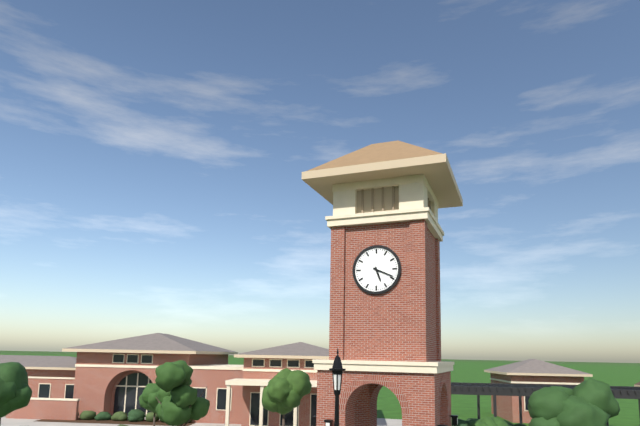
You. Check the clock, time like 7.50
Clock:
5.19
